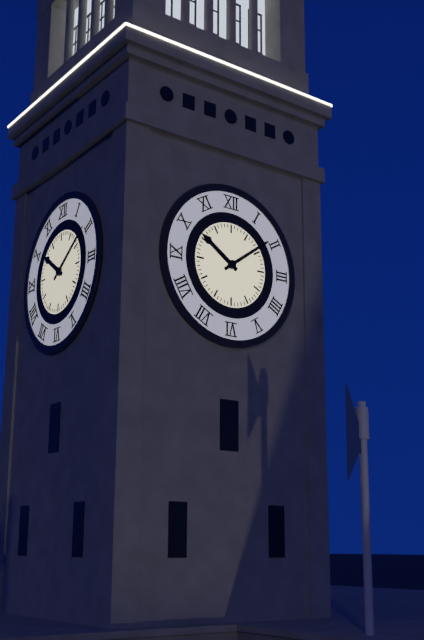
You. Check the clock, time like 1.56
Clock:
10.09
